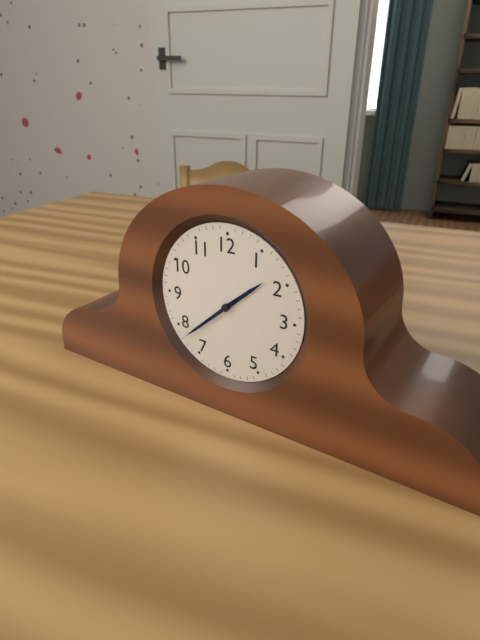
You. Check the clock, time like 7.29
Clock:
1.38
